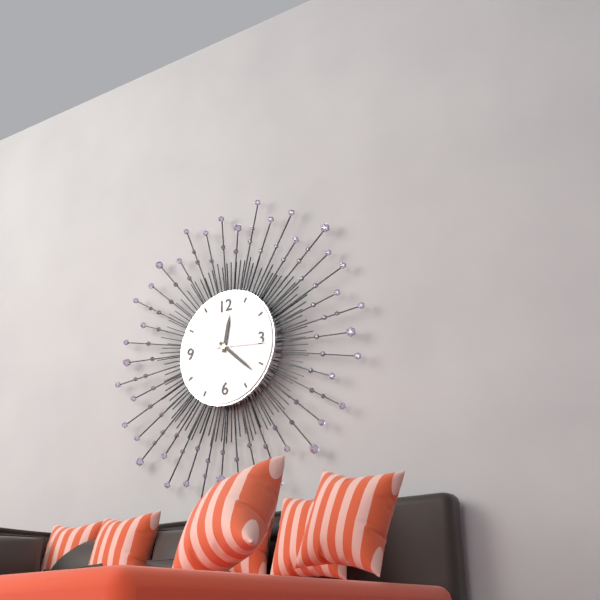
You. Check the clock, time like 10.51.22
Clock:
12.22.16
